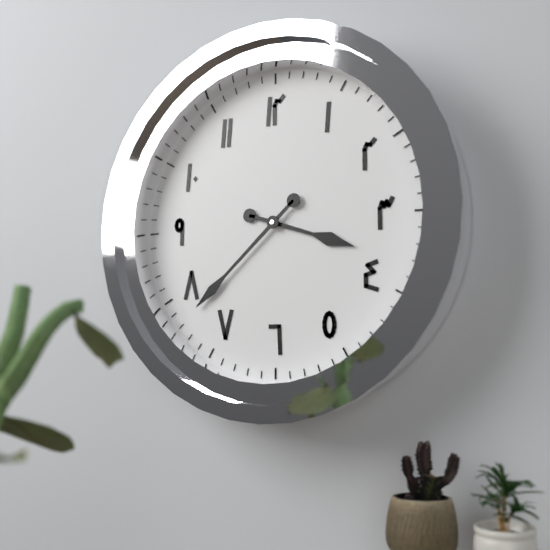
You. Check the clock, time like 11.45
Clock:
3.38
